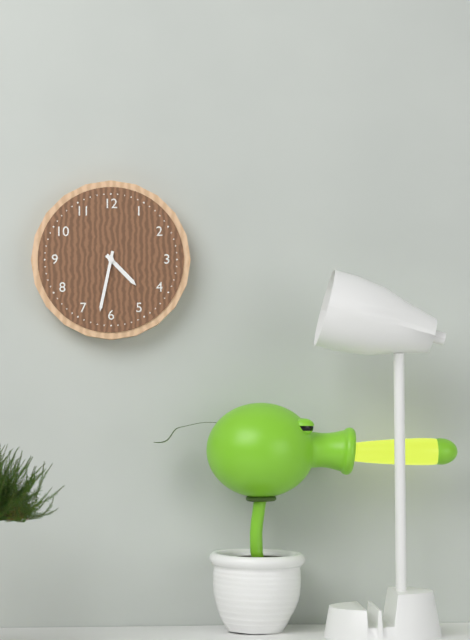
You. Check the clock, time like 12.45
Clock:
4.32
